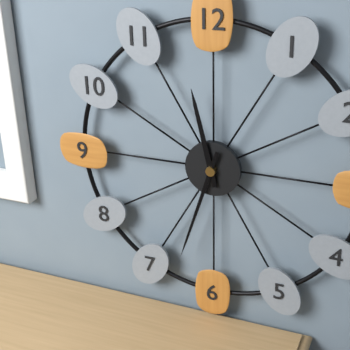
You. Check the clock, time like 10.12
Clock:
11.33
